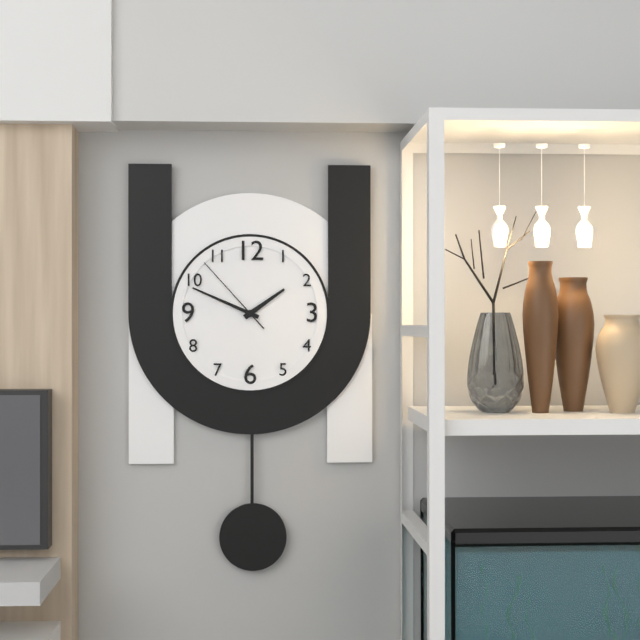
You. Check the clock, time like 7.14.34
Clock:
1.49.53
